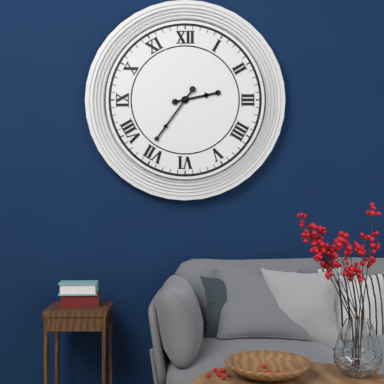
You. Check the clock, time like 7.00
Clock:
2.36
